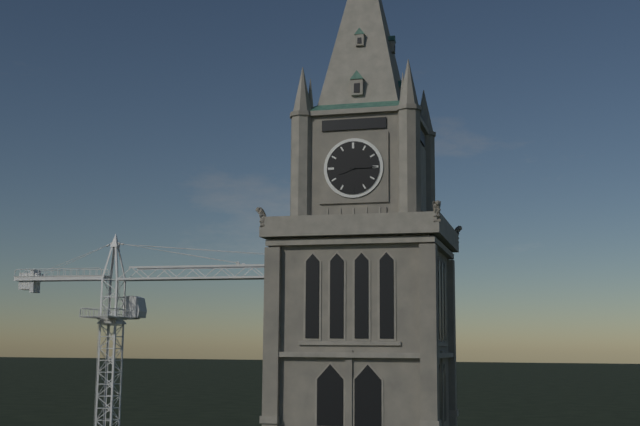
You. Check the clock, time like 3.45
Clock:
8.15
